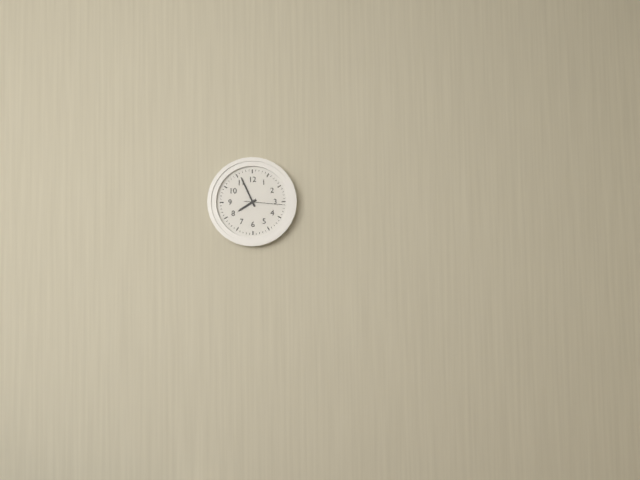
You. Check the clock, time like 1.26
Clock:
7.56
